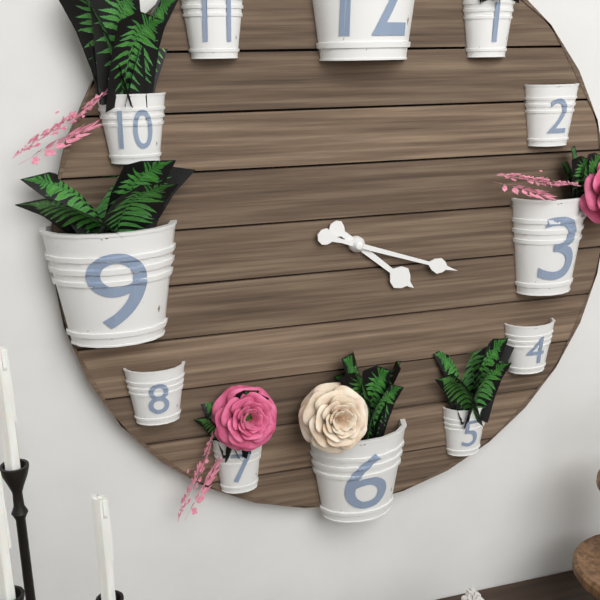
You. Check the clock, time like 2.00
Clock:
4.18
